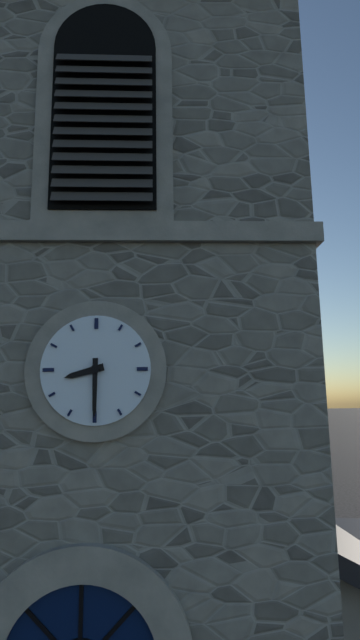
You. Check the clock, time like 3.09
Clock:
8.30
